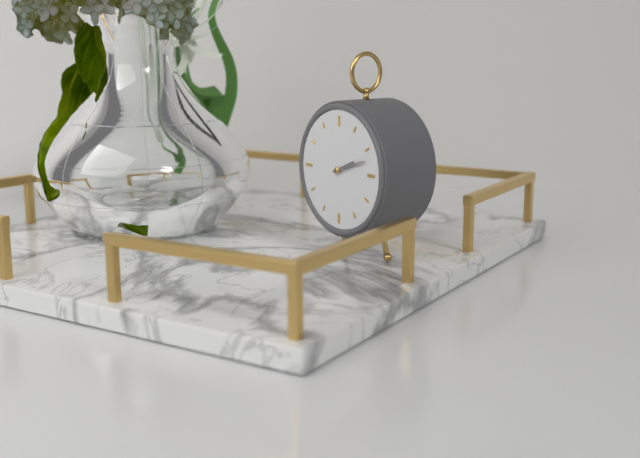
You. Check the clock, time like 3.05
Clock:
2.12
